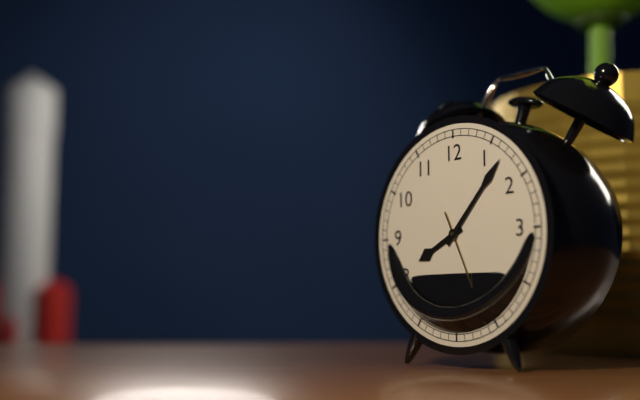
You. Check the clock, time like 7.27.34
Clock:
8.07.26
